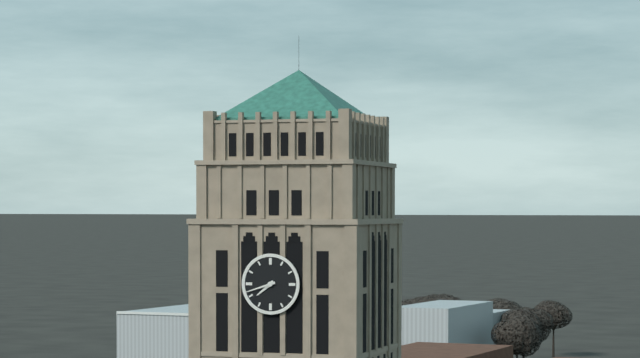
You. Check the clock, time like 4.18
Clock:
7.42
